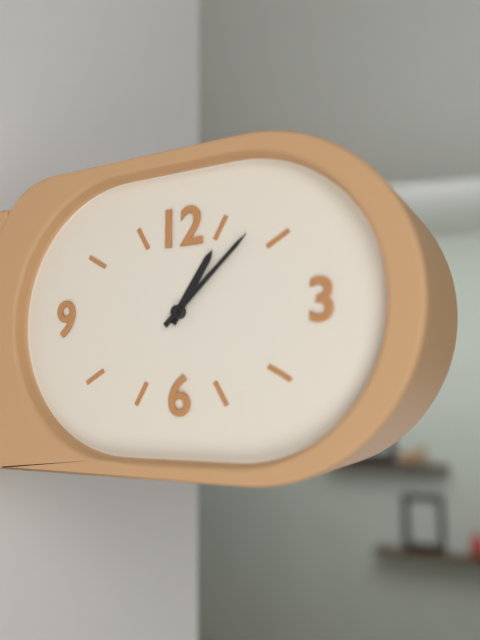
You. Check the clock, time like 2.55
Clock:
1.08
